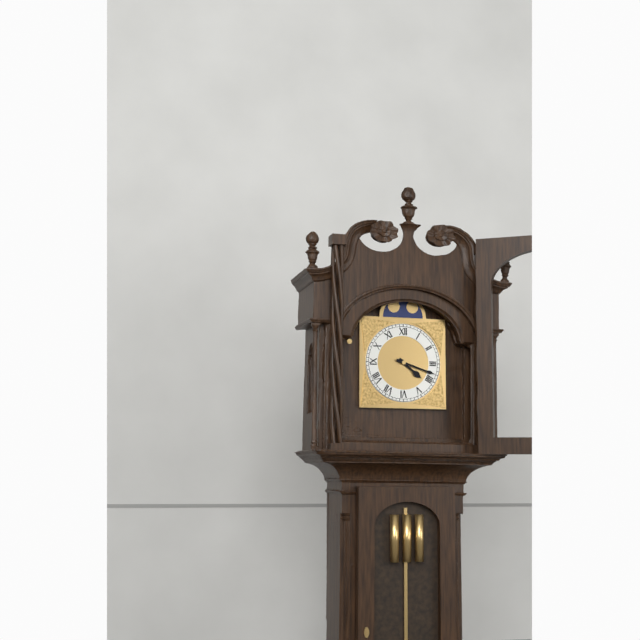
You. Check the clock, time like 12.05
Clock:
4.18
